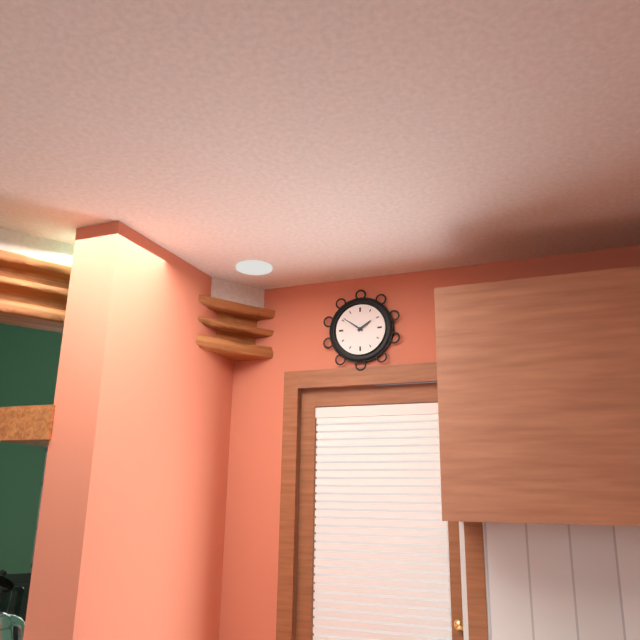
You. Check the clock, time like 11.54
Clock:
1.51
